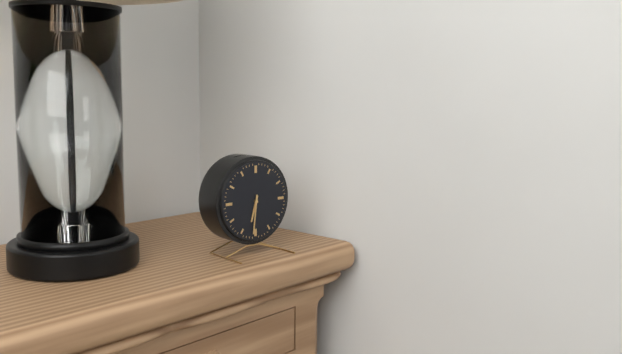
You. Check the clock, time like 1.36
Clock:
6.31
